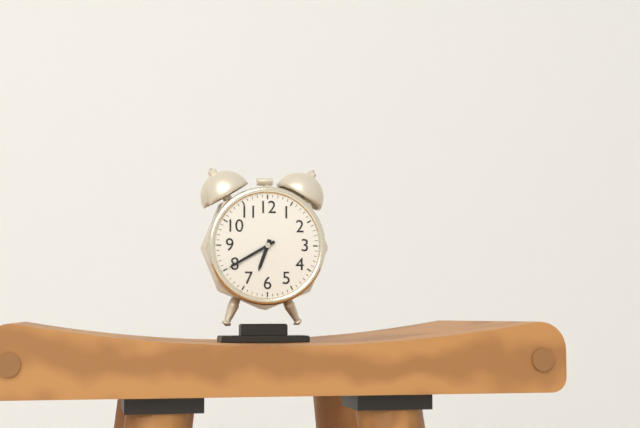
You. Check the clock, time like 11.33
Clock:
6.40
